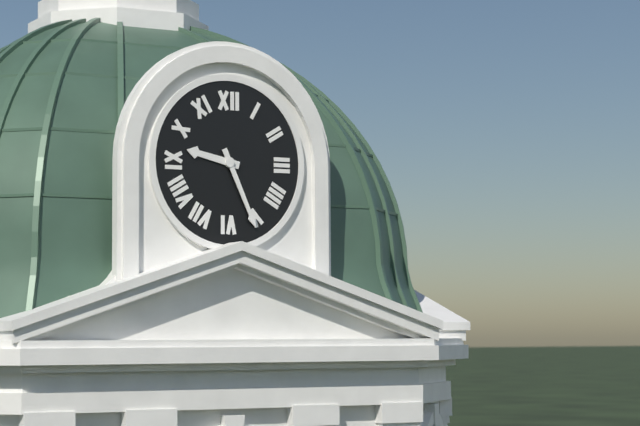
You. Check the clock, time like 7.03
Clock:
9.26
